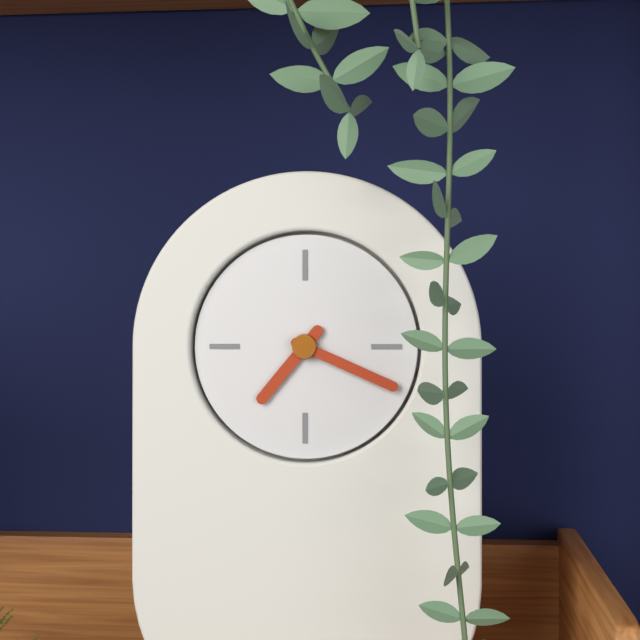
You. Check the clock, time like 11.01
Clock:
7.19
